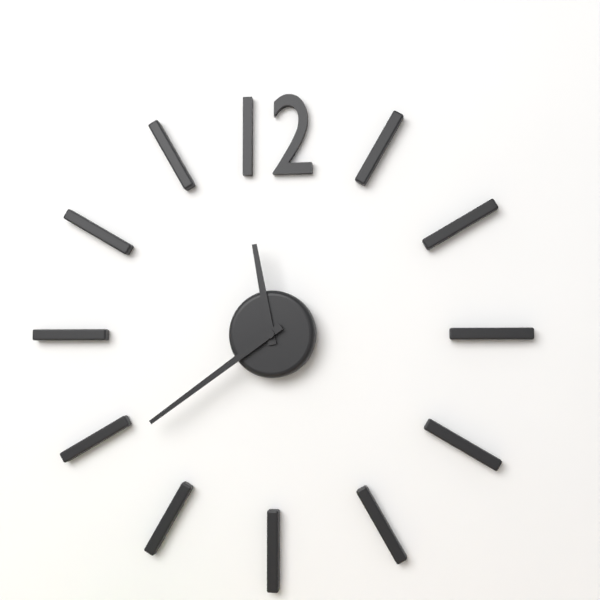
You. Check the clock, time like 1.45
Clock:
11.39
